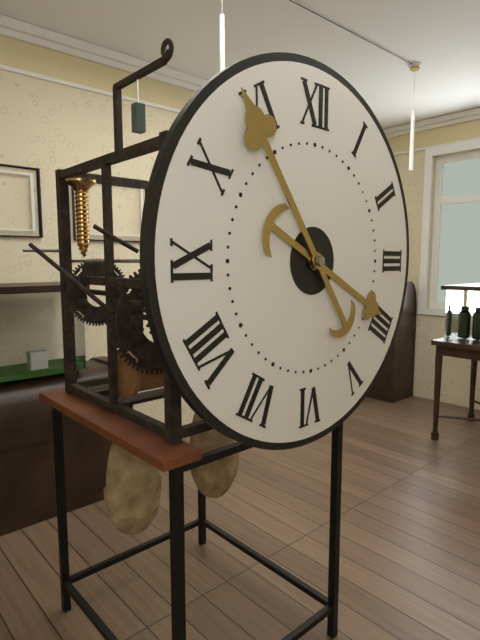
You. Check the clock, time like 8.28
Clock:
3.54
